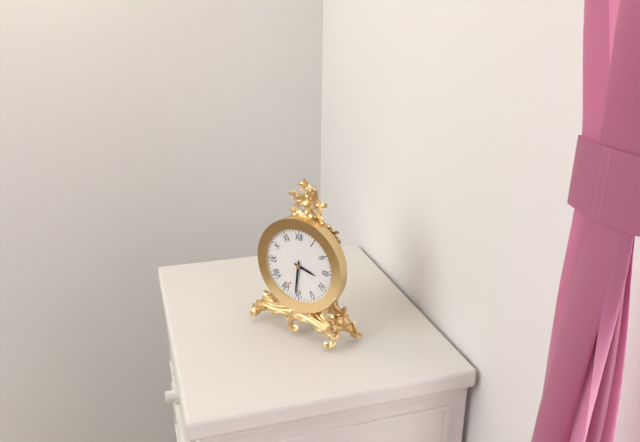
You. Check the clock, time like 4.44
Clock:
3.31
